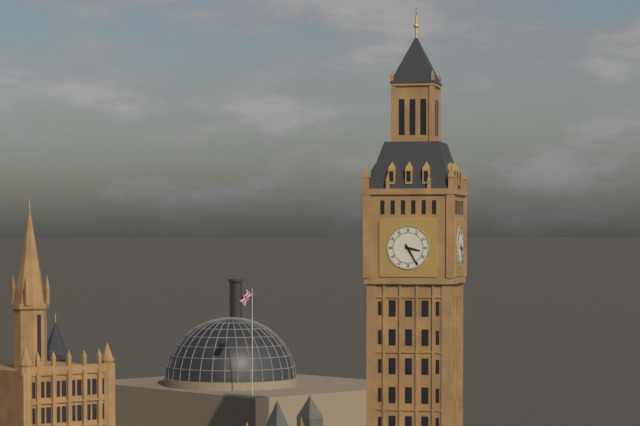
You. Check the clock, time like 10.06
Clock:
3.25
